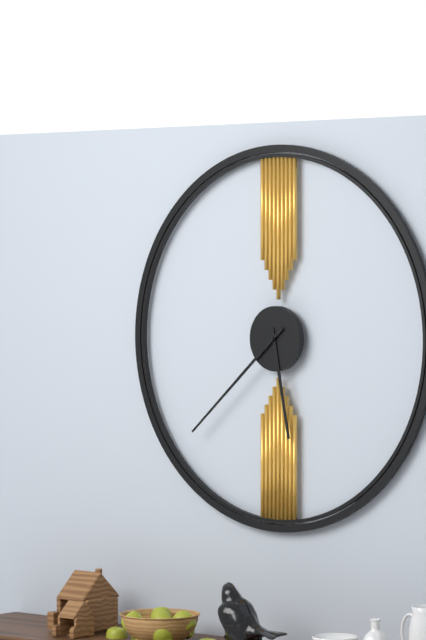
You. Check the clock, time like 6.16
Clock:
5.38
